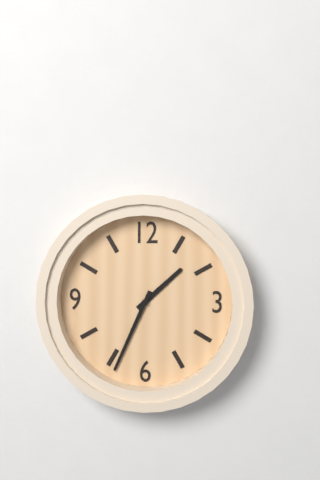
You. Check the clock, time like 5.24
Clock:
1.34
